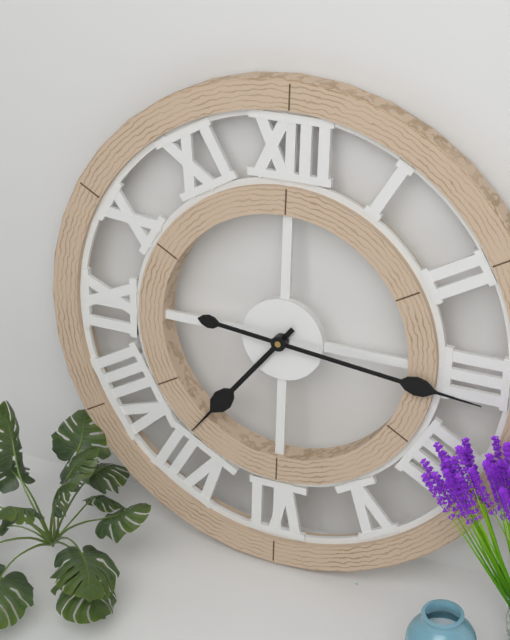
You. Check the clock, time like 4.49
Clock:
7.16
